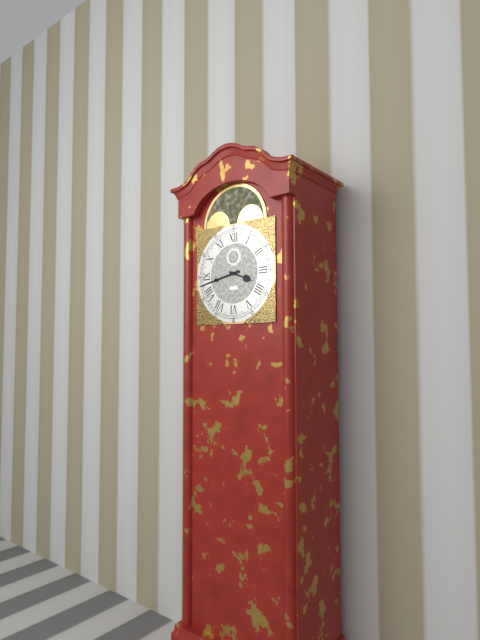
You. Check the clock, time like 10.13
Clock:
3.43
